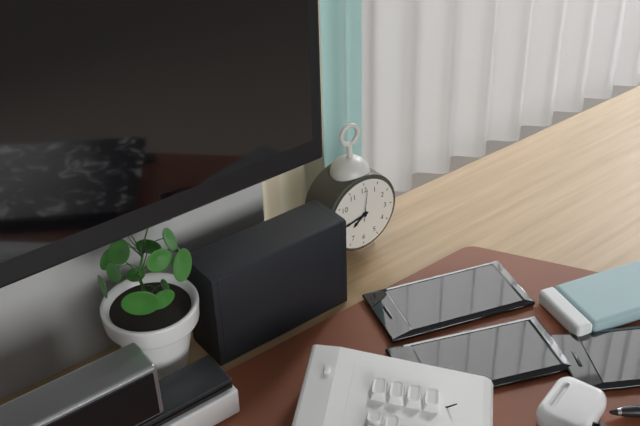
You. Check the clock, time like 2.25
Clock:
7.43
